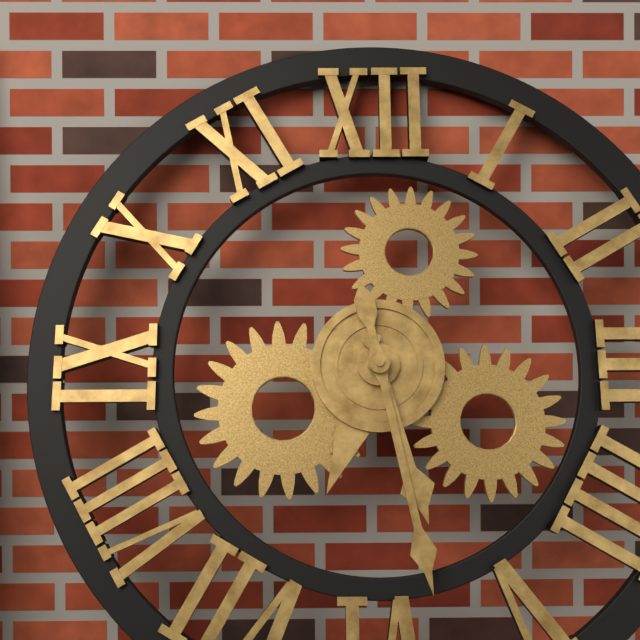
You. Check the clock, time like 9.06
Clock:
5.28
